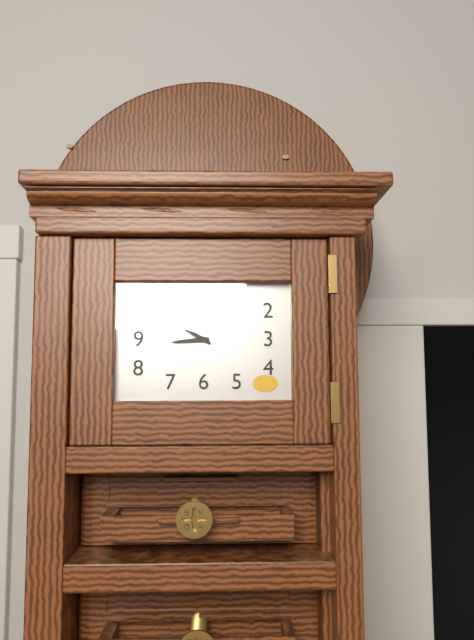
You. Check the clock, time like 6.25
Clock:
8.50
